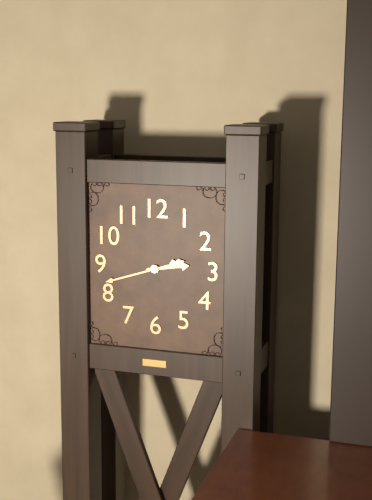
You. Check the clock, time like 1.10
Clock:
2.42
